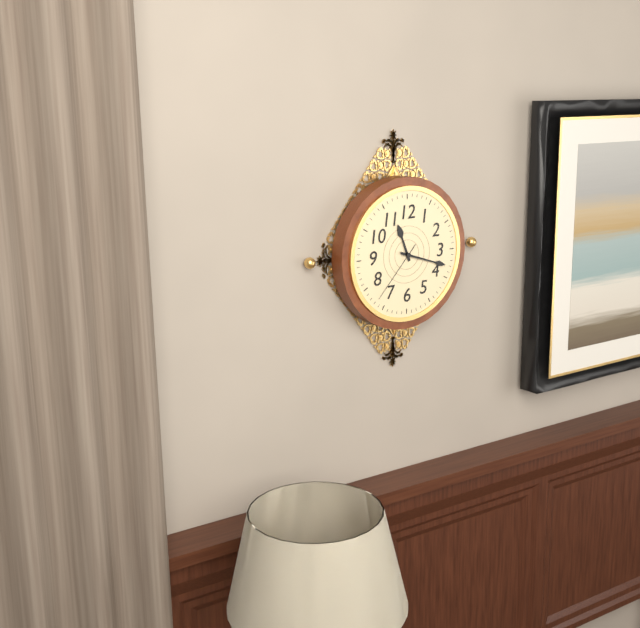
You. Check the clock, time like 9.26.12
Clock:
11.18.37
